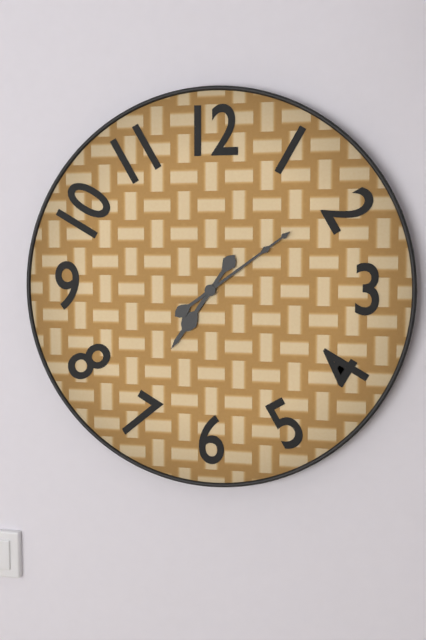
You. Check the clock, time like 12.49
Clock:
7.09
